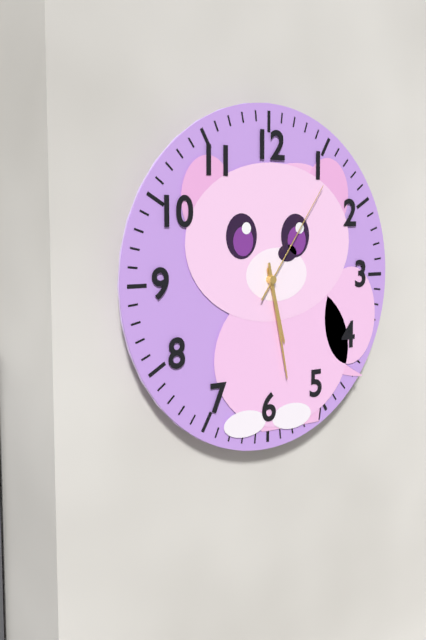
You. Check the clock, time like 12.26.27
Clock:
5.28.06
